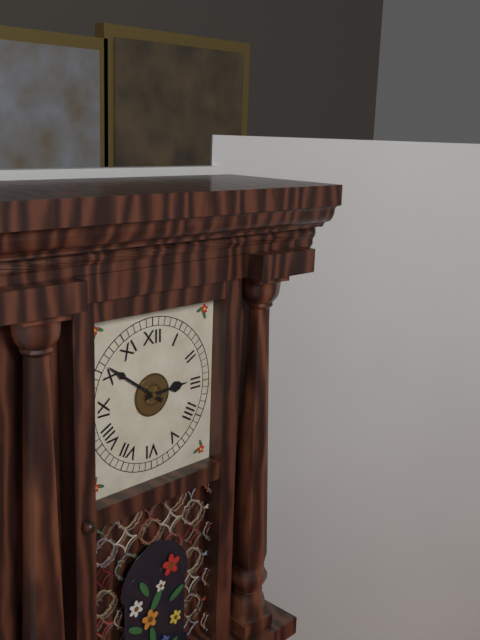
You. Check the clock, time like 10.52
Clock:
2.51
